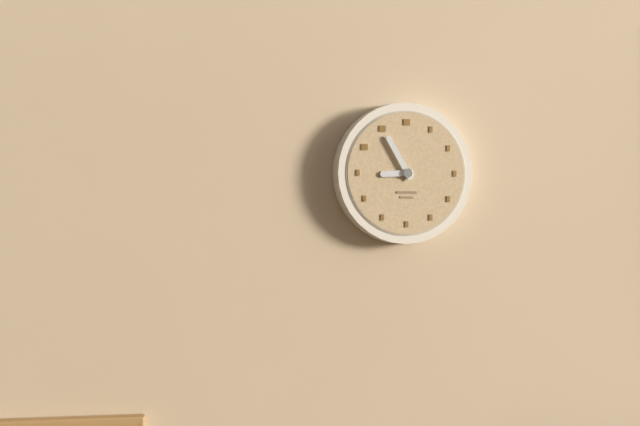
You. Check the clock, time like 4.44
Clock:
8.55
